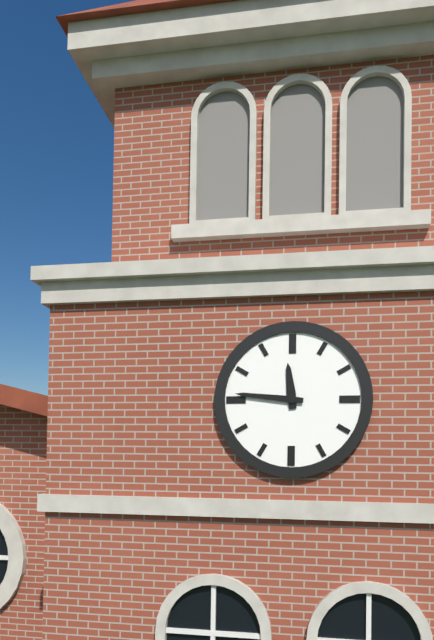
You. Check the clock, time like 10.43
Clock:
11.46
